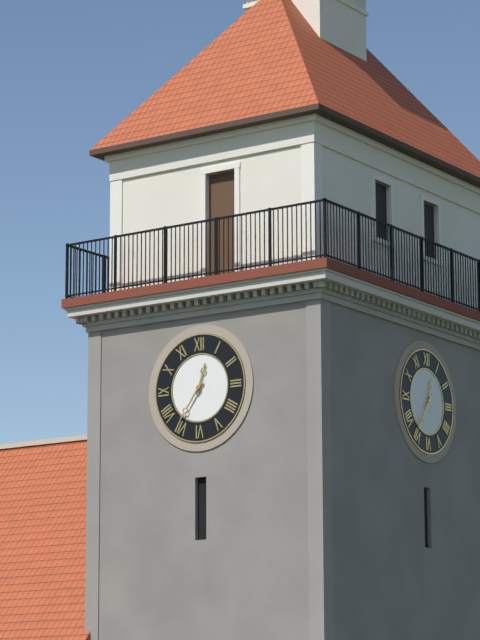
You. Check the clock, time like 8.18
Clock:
12.36
